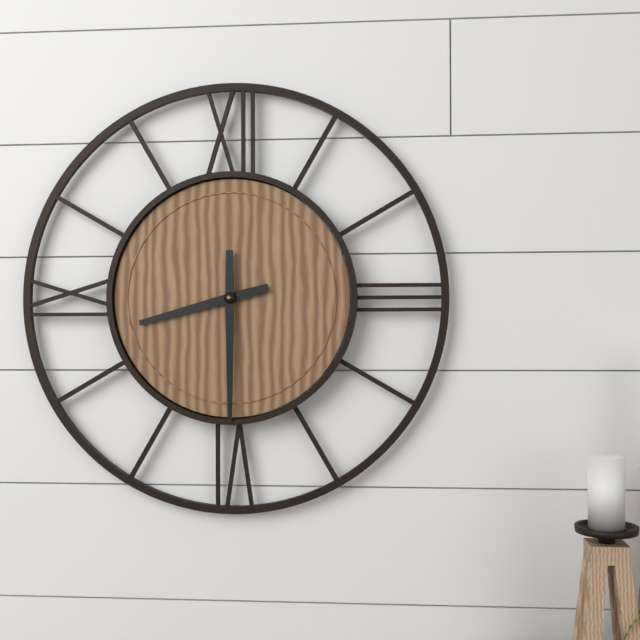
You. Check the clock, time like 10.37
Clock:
8.30
